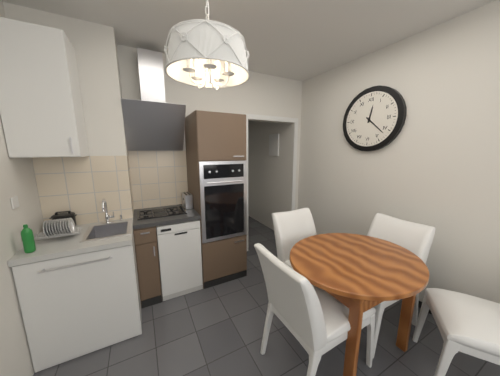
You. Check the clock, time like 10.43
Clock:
12.22
